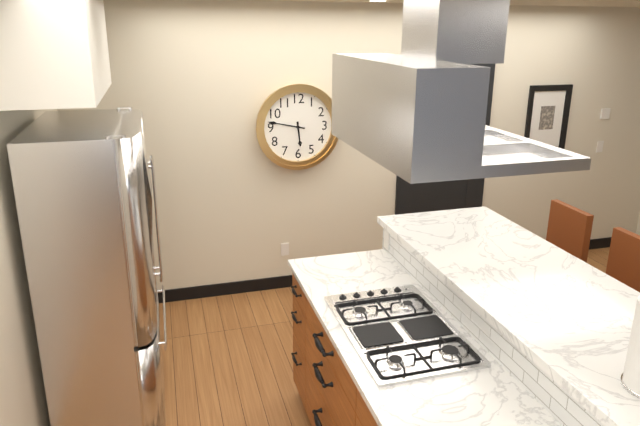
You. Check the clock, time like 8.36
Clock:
5.47
